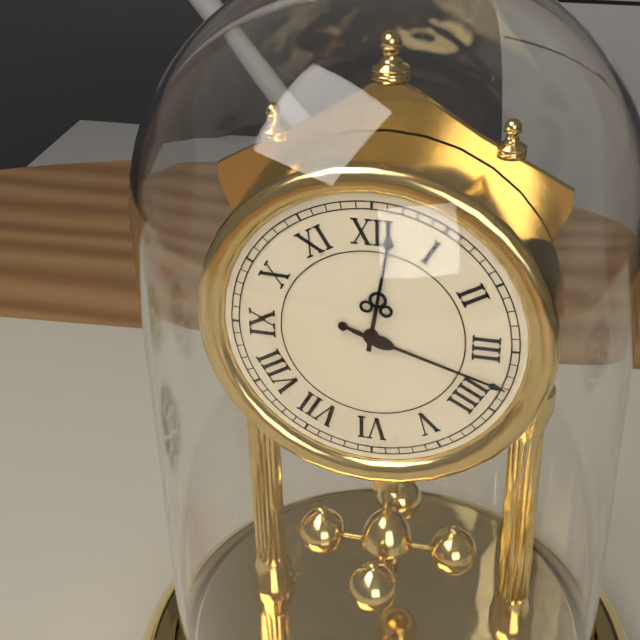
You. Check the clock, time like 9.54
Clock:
12.18
